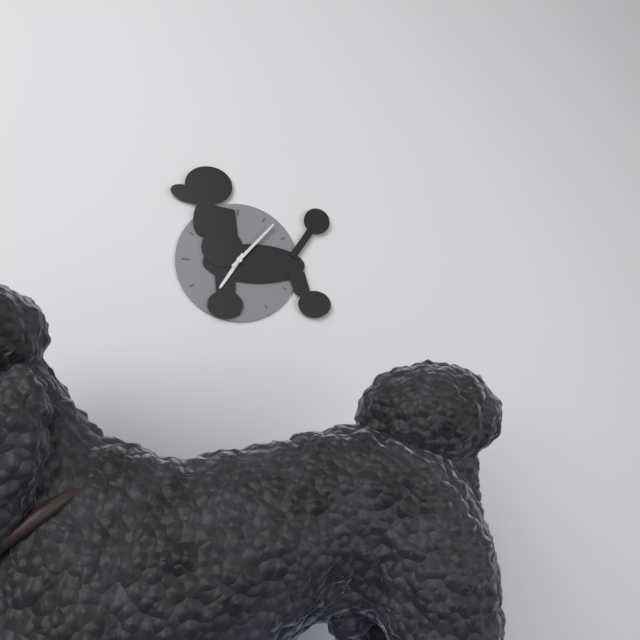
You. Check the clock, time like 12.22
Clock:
7.07
